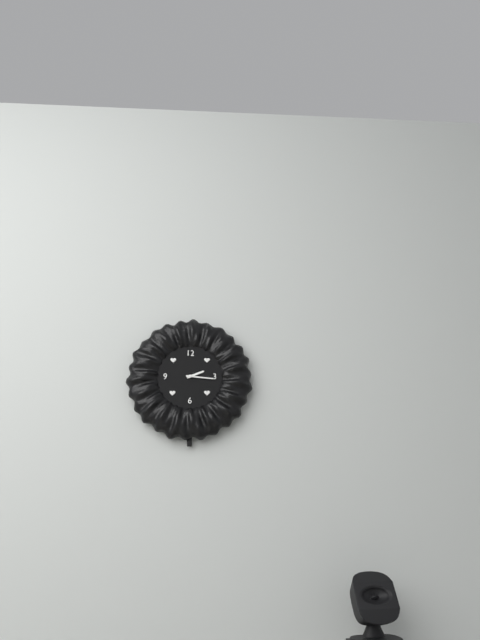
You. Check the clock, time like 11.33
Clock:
2.16
